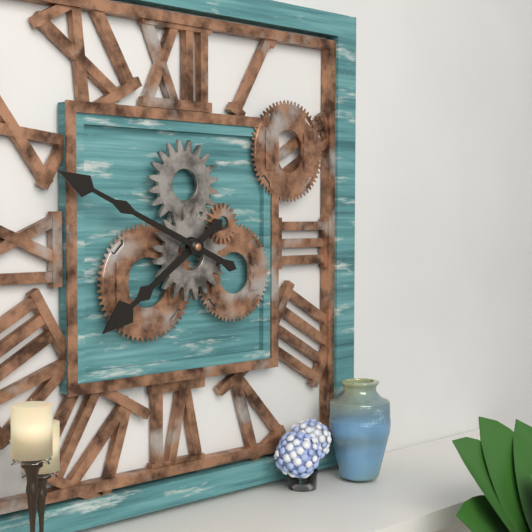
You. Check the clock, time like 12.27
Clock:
7.49
